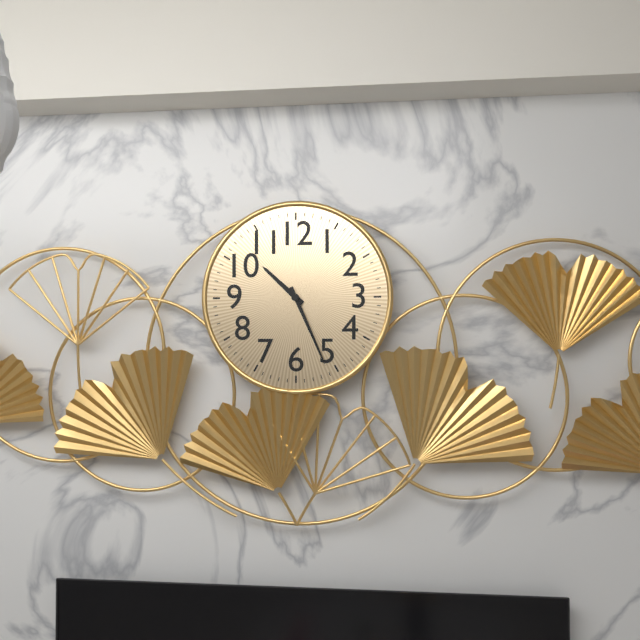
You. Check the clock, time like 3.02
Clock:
10.26
